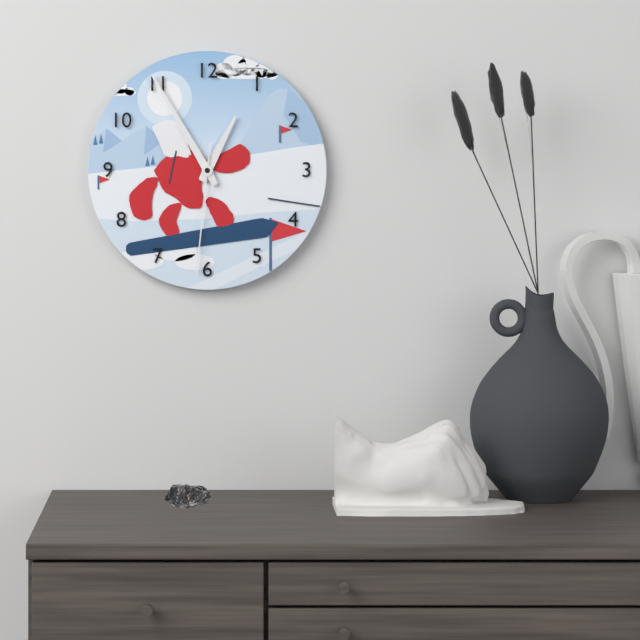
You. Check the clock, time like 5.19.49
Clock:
12.55.31
